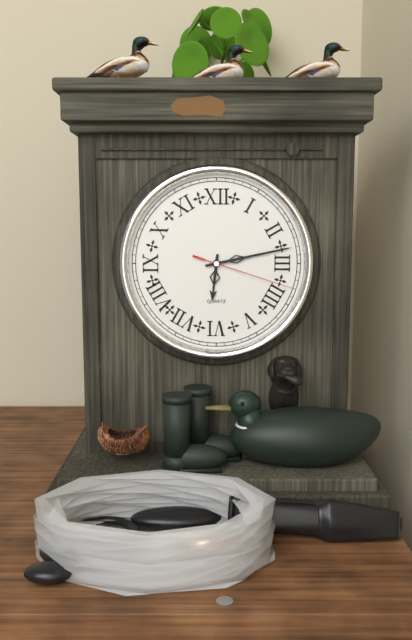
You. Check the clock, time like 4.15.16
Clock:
6.13.18
